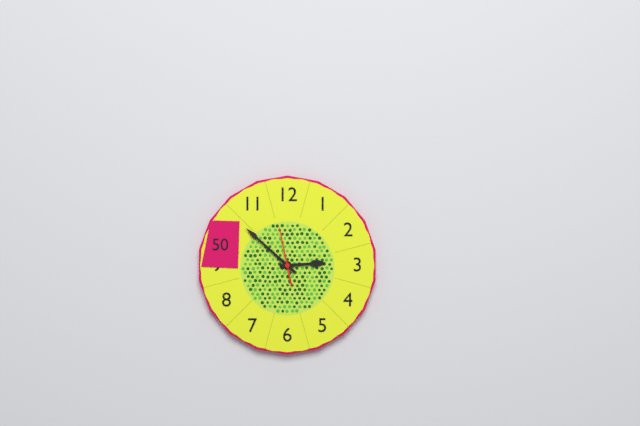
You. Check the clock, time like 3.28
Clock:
2.52
